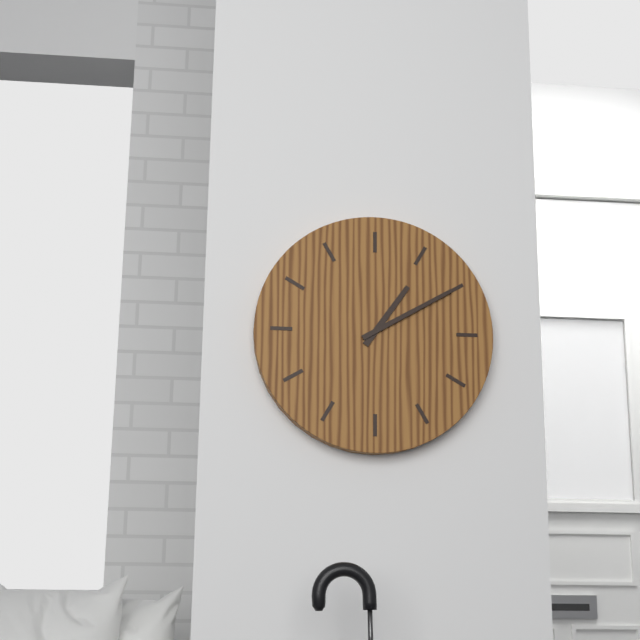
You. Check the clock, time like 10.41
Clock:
1.10
